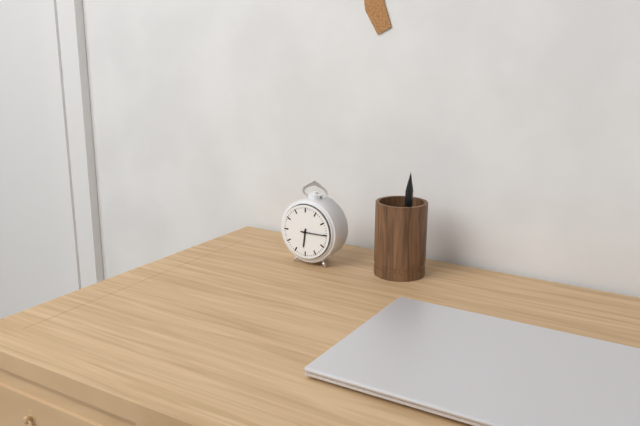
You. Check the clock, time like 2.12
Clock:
6.15
